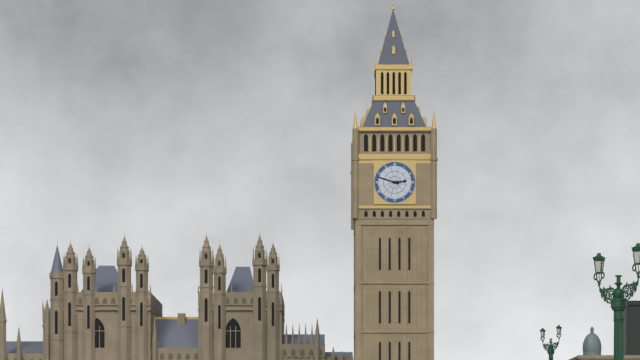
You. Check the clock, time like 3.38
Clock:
2.48
